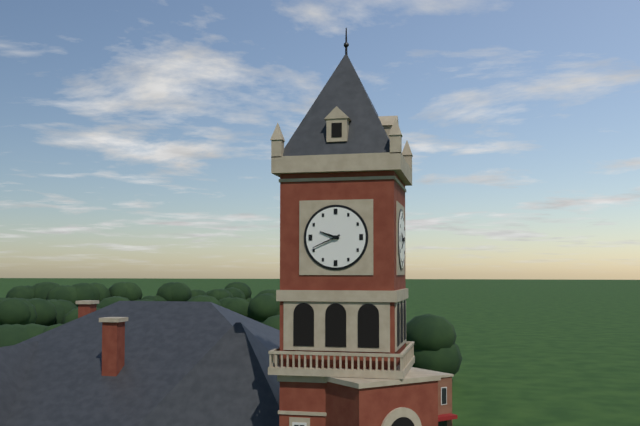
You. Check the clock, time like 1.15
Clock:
9.41
